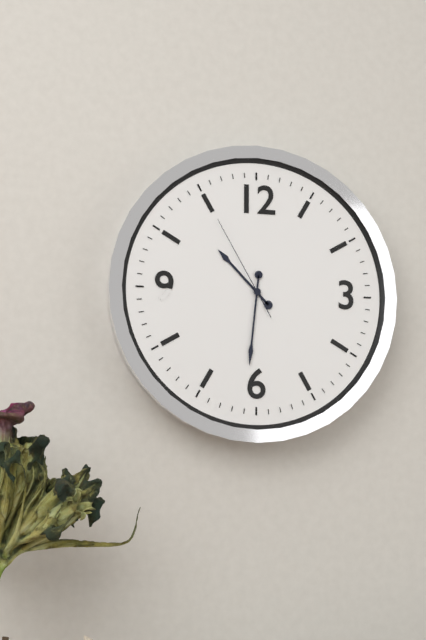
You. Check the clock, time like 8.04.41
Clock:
10.31.55
